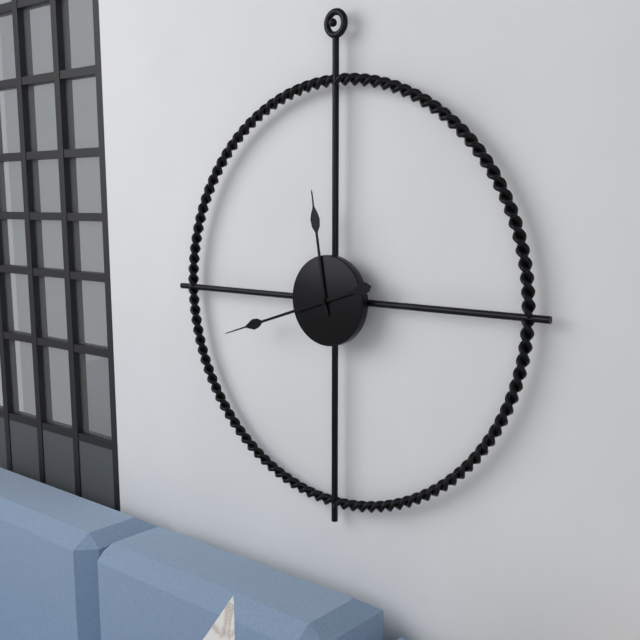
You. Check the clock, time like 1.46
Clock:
11.42
